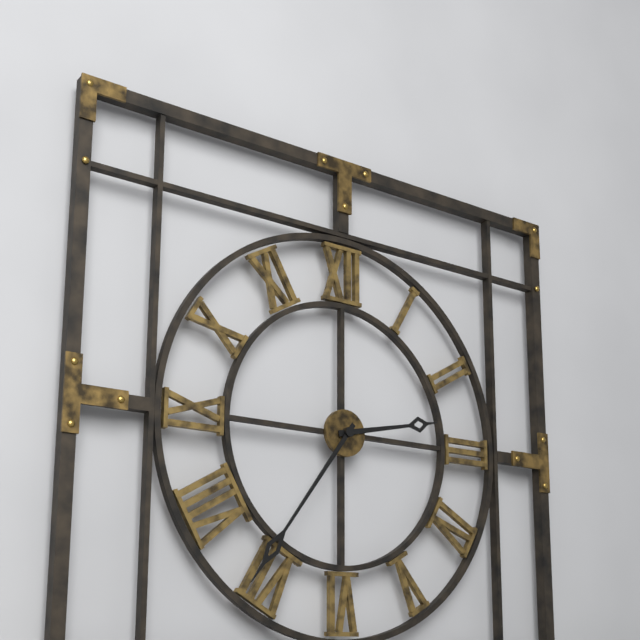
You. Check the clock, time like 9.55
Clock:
2.36
